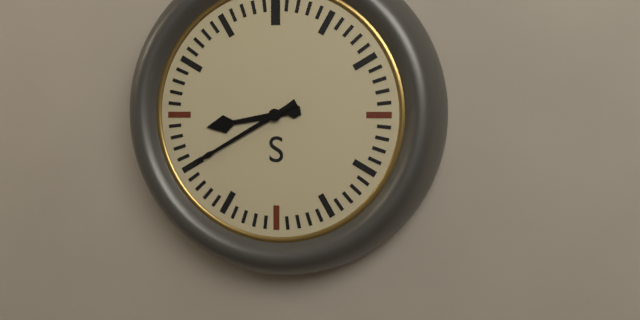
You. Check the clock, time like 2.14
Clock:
8.40
